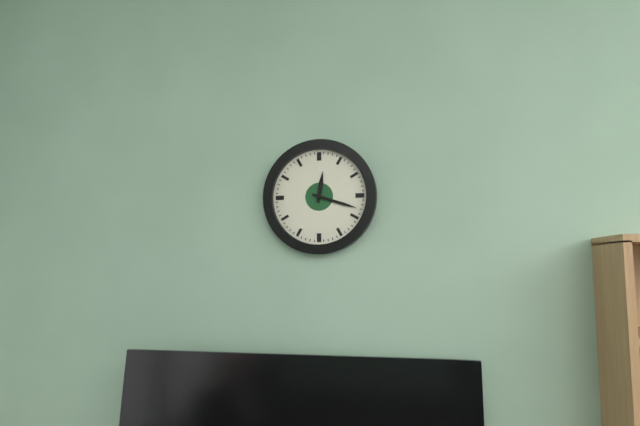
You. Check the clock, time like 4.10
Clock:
12.18
